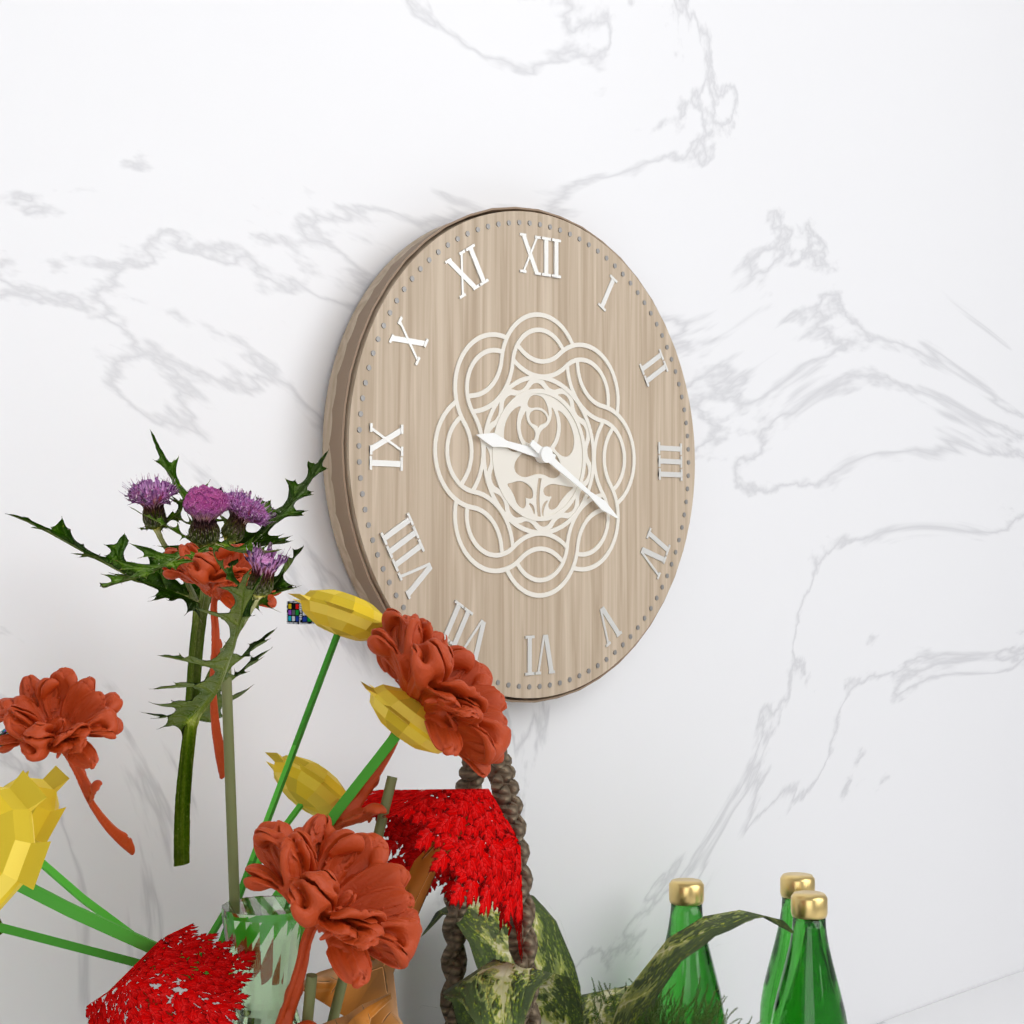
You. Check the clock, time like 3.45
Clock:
9.20
